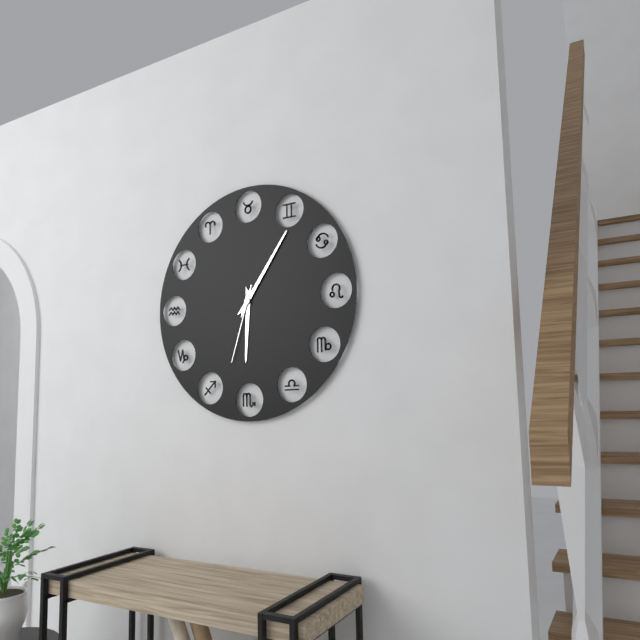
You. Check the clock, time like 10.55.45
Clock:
6.06.33
